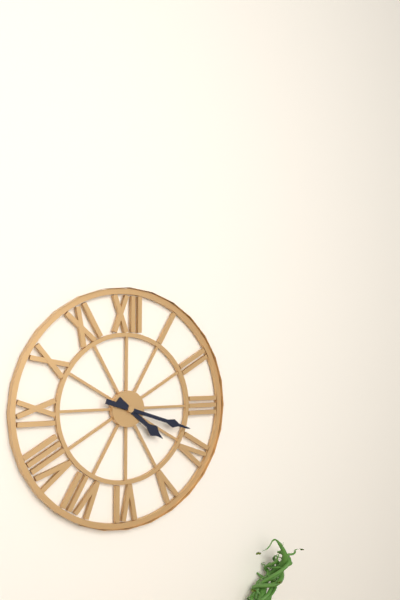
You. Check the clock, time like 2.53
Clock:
4.18
